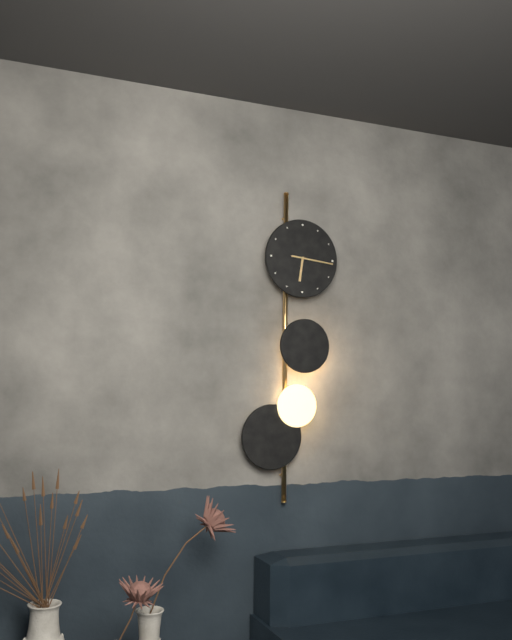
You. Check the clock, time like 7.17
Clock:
6.16
